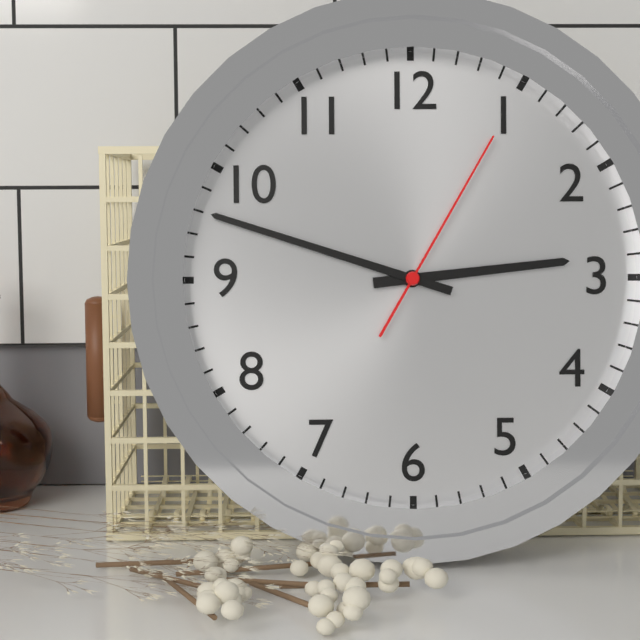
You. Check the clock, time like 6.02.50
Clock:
2.48.05
